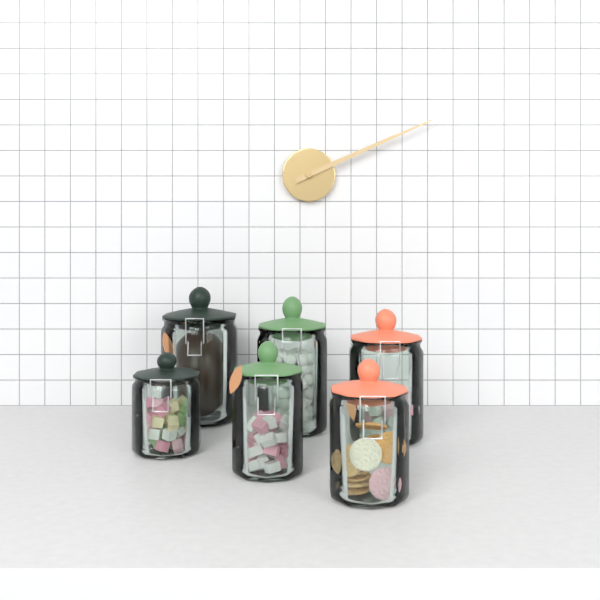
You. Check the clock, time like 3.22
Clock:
2.11
